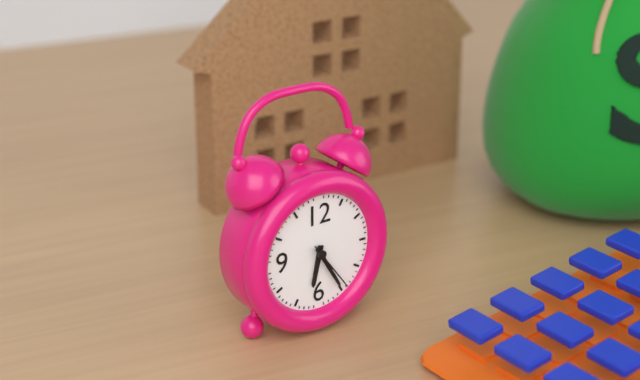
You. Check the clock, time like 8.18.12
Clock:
6.25.24
